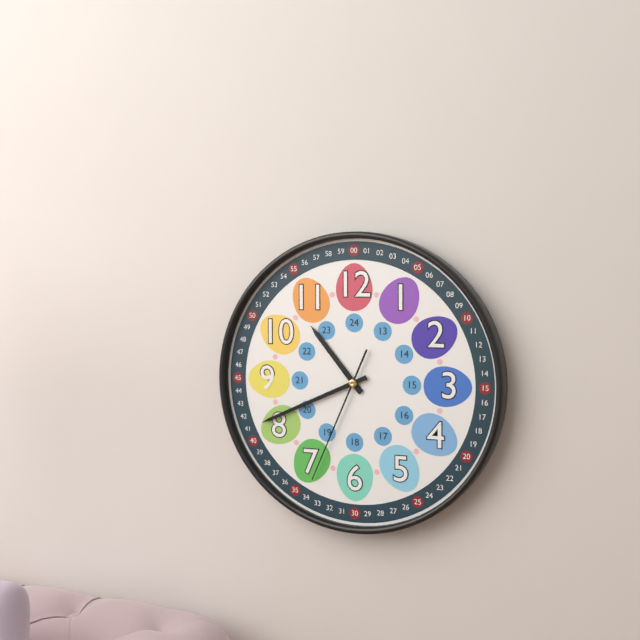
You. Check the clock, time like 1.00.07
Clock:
10.41.34
